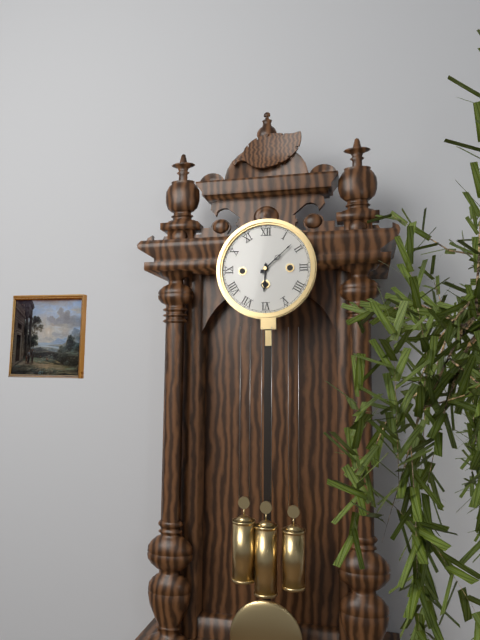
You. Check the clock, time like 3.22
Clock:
6.08
